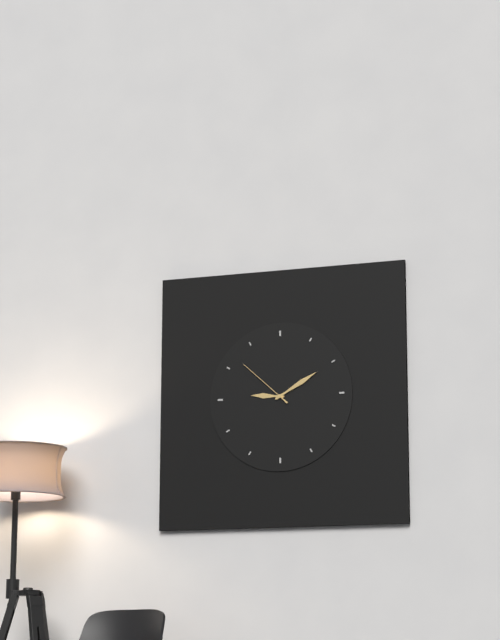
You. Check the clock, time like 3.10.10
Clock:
9.10.52
